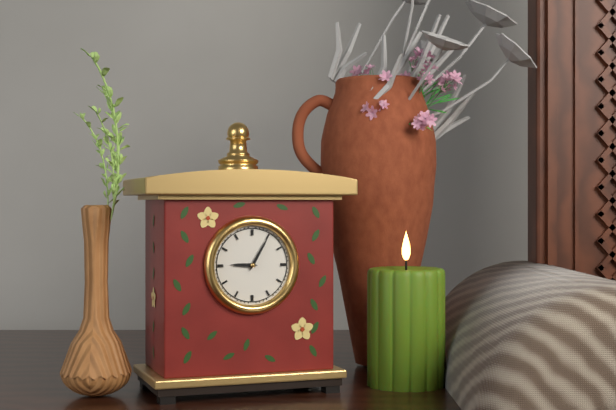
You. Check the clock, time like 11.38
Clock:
9.05
